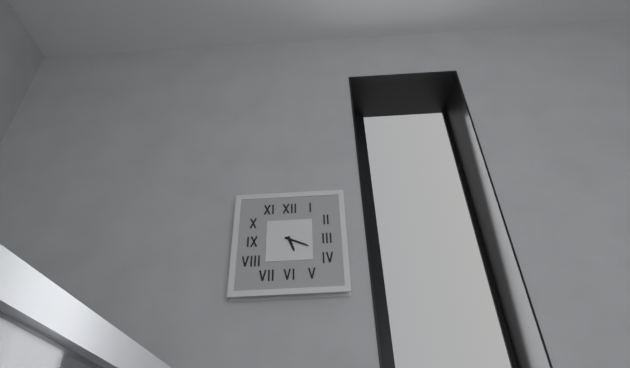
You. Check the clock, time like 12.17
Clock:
5.19
